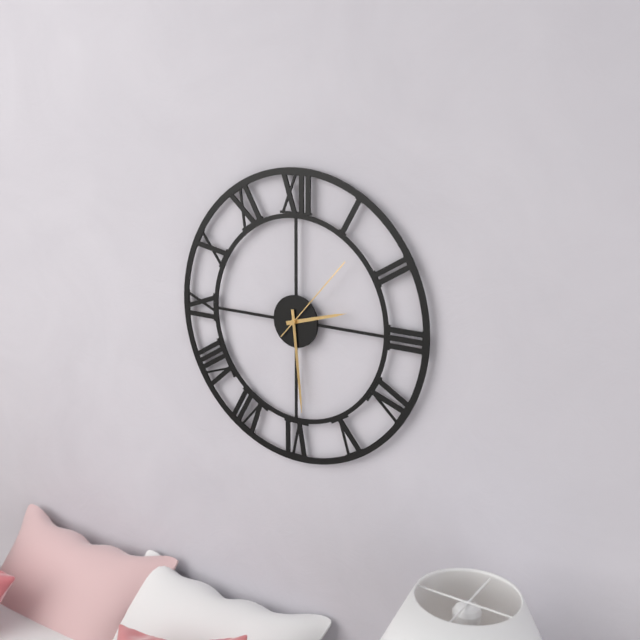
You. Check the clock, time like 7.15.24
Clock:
2.29.07
